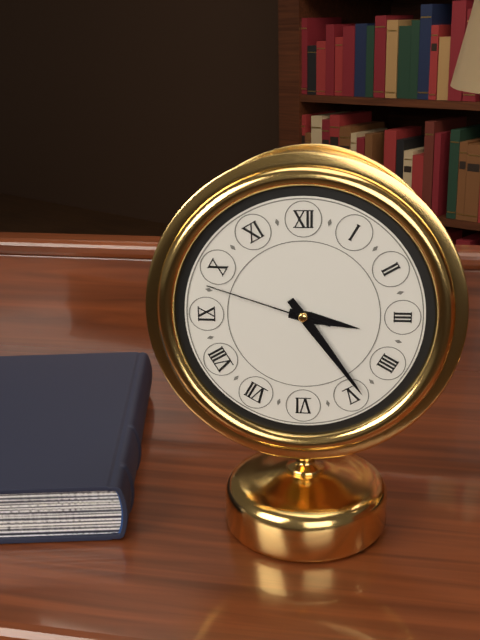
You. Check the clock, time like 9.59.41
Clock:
3.24.48
